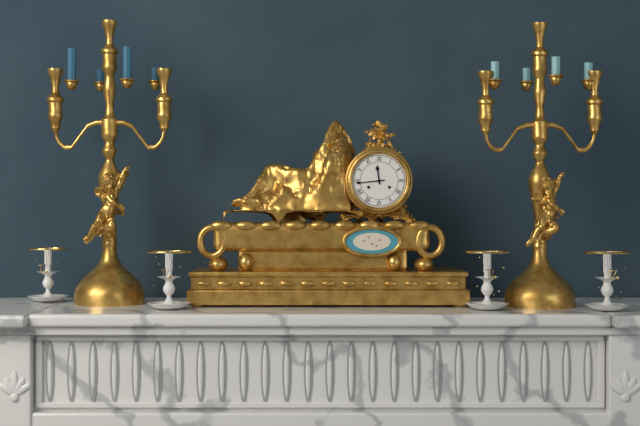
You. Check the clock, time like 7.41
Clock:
11.44
